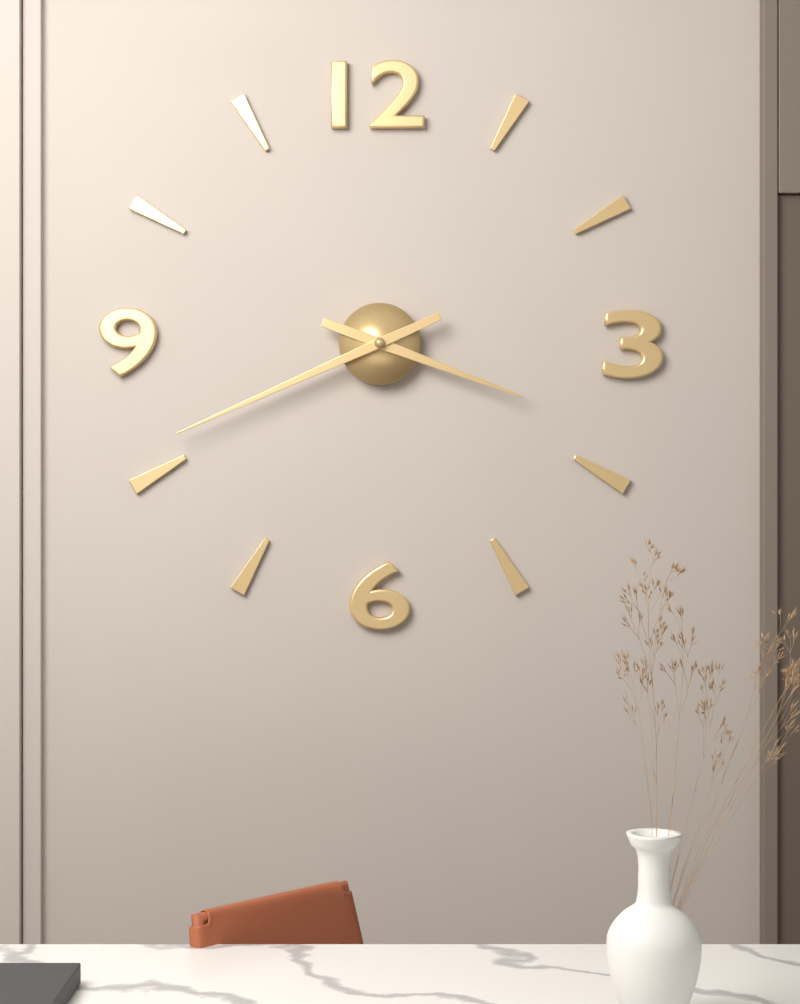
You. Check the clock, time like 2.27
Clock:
3.41
